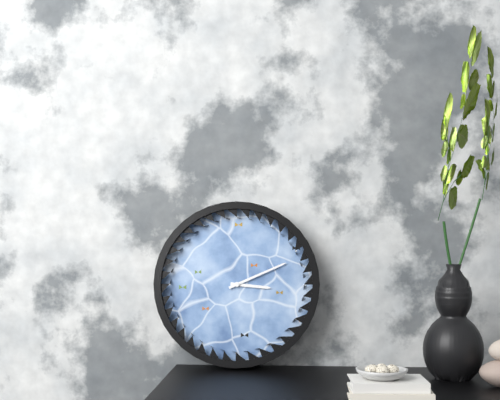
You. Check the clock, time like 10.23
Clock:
3.11
